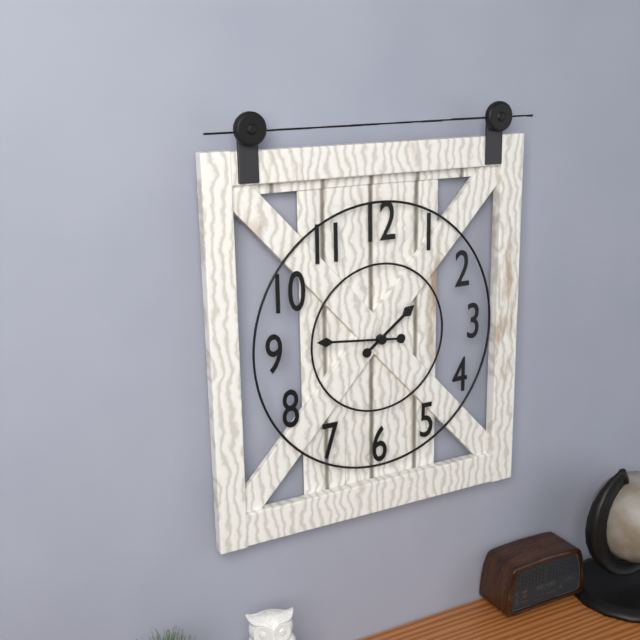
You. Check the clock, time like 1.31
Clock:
1.46
